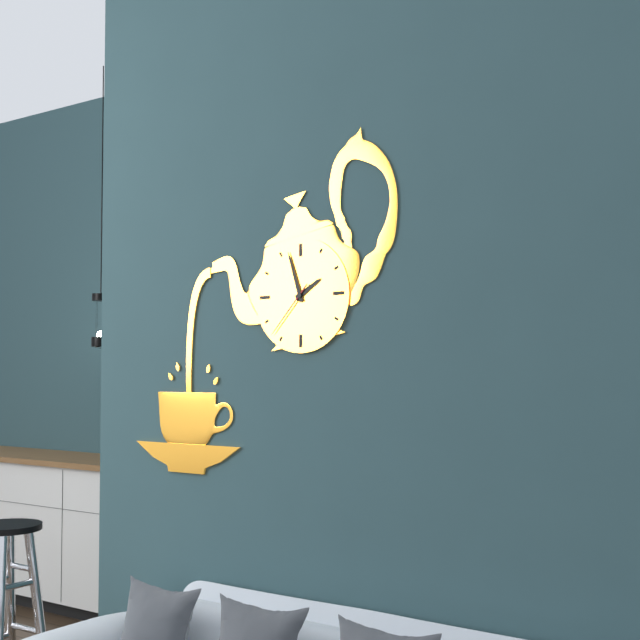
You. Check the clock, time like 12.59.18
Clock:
1.57.37
